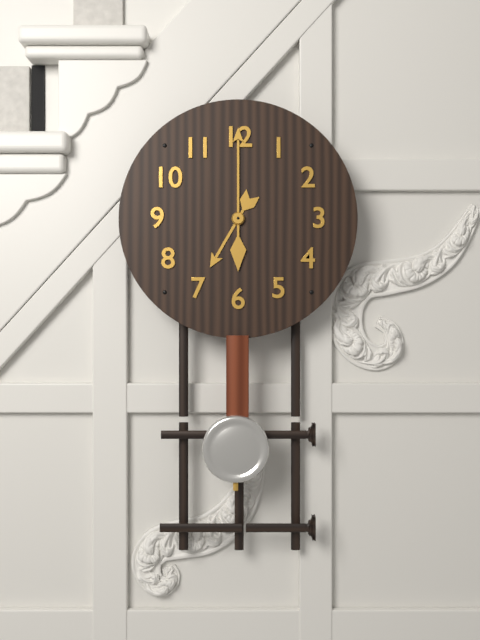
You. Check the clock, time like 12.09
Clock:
7.00
